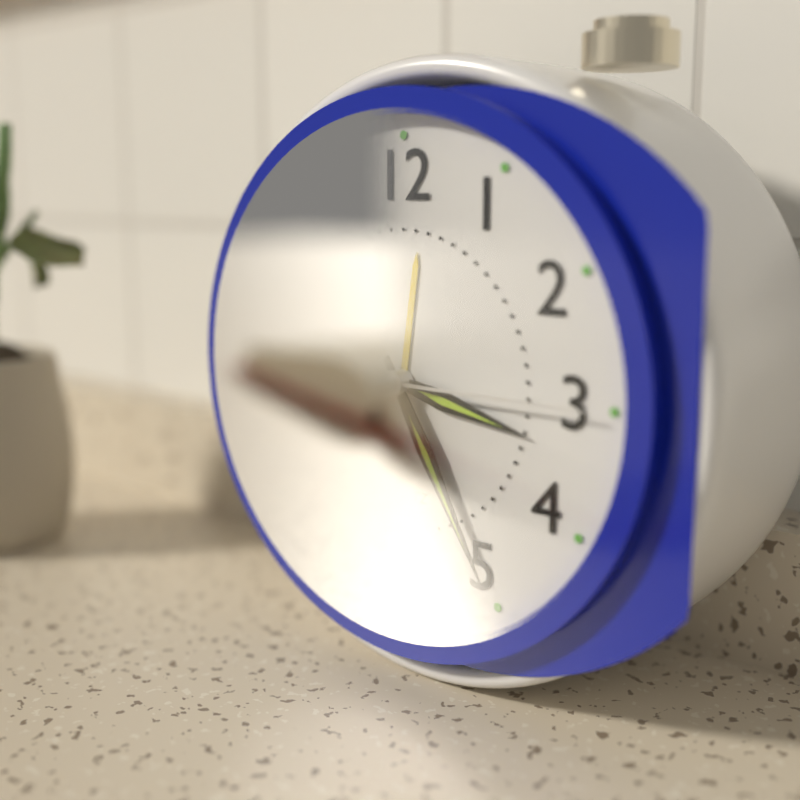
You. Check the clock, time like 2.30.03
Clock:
3.25.15
